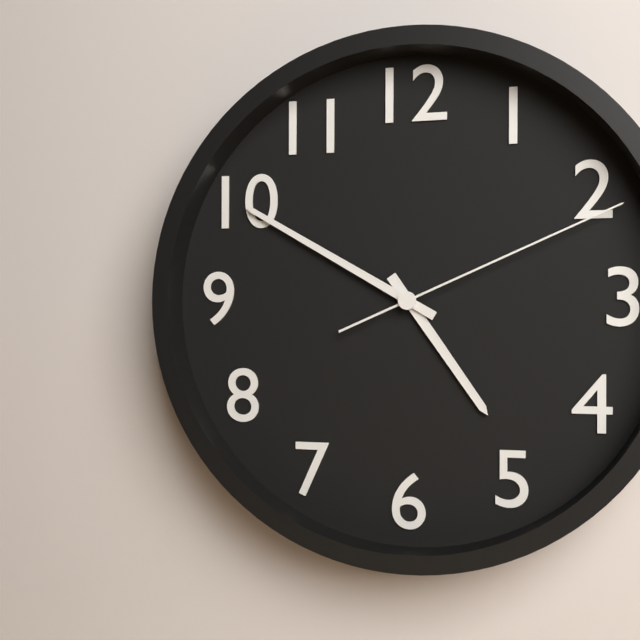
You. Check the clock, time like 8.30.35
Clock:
4.50.11
